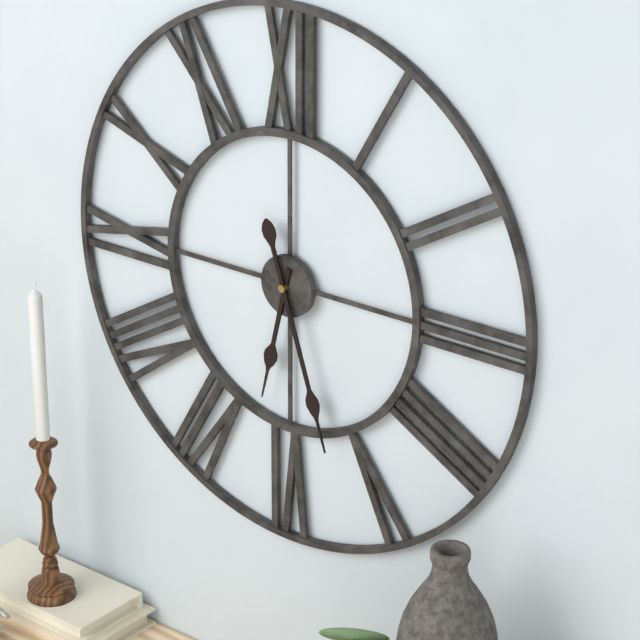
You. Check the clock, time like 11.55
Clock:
6.27
